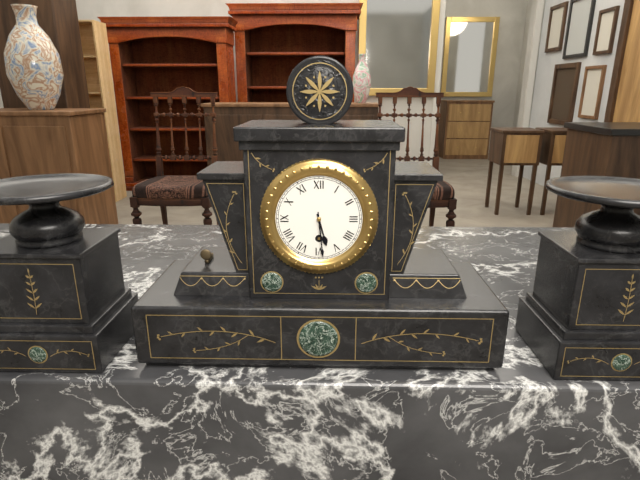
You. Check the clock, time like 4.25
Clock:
5.29
